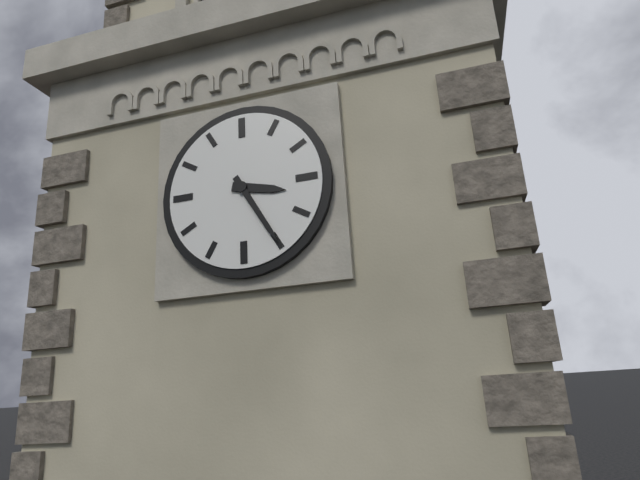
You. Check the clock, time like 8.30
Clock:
3.25
